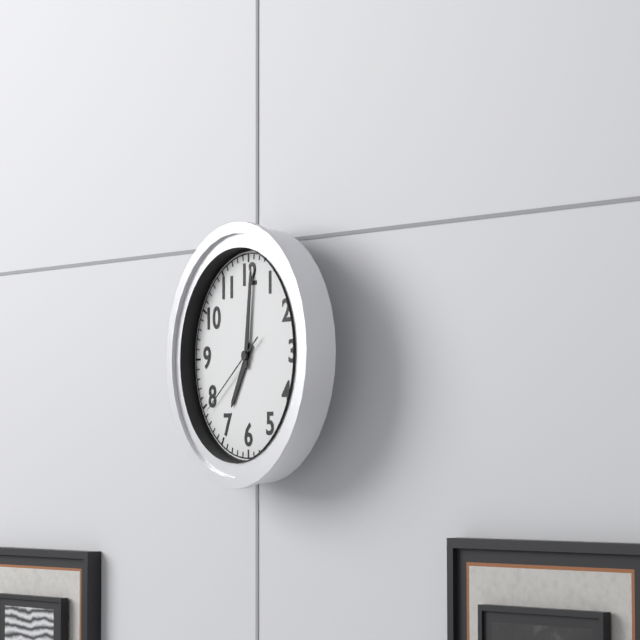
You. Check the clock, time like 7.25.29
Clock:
7.01.39
